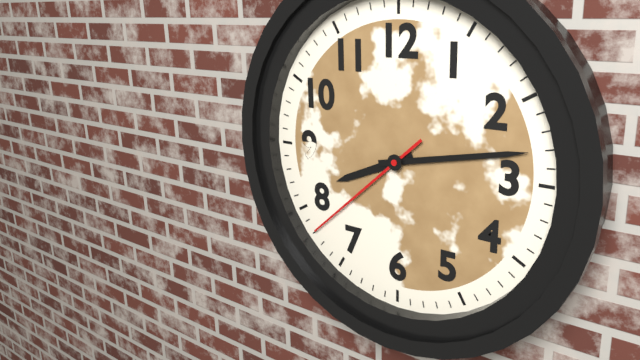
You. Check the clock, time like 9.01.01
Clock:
8.13.38
